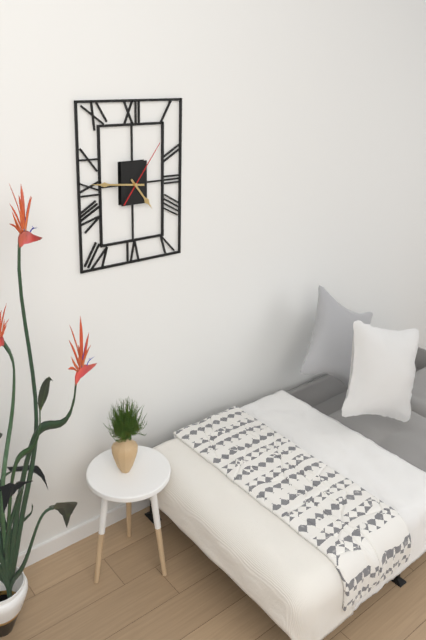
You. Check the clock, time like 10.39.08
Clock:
4.46.06
